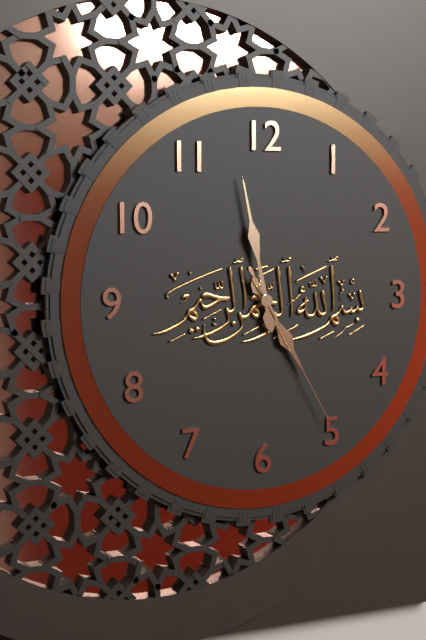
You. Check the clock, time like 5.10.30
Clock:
4.58.25
